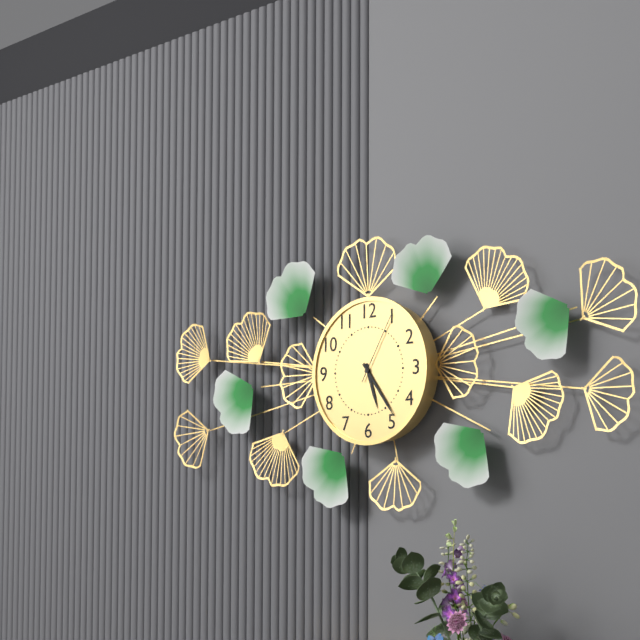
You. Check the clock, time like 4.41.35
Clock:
5.24.05
